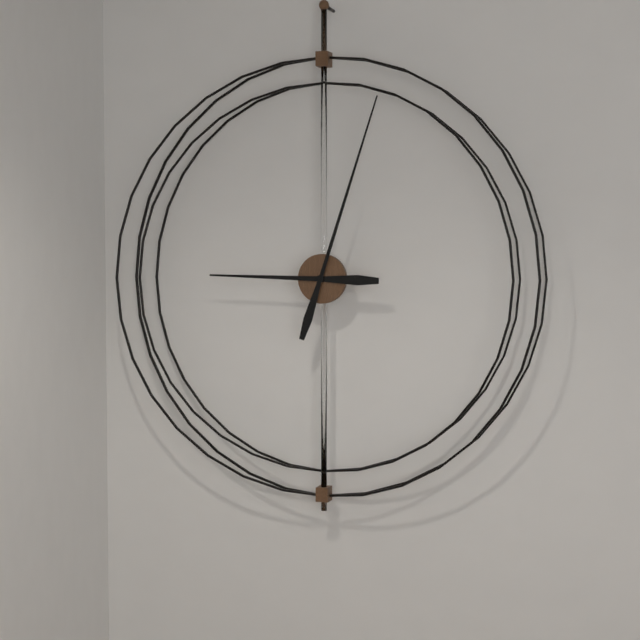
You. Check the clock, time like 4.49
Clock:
9.03
